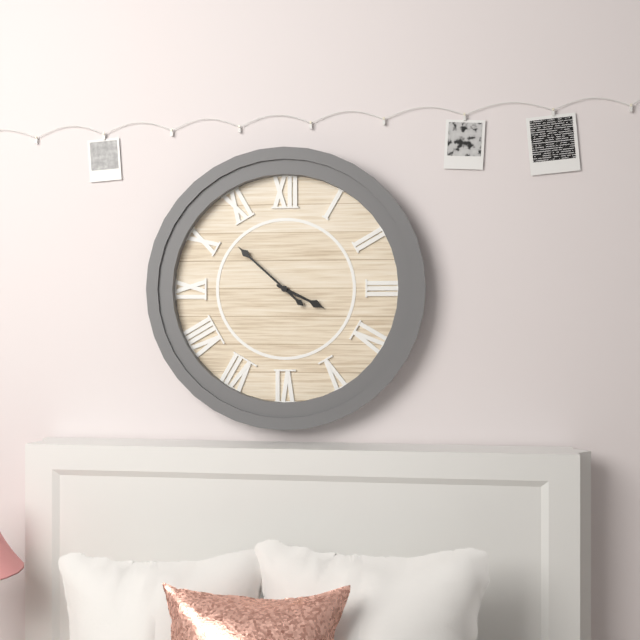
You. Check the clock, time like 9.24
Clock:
3.52
